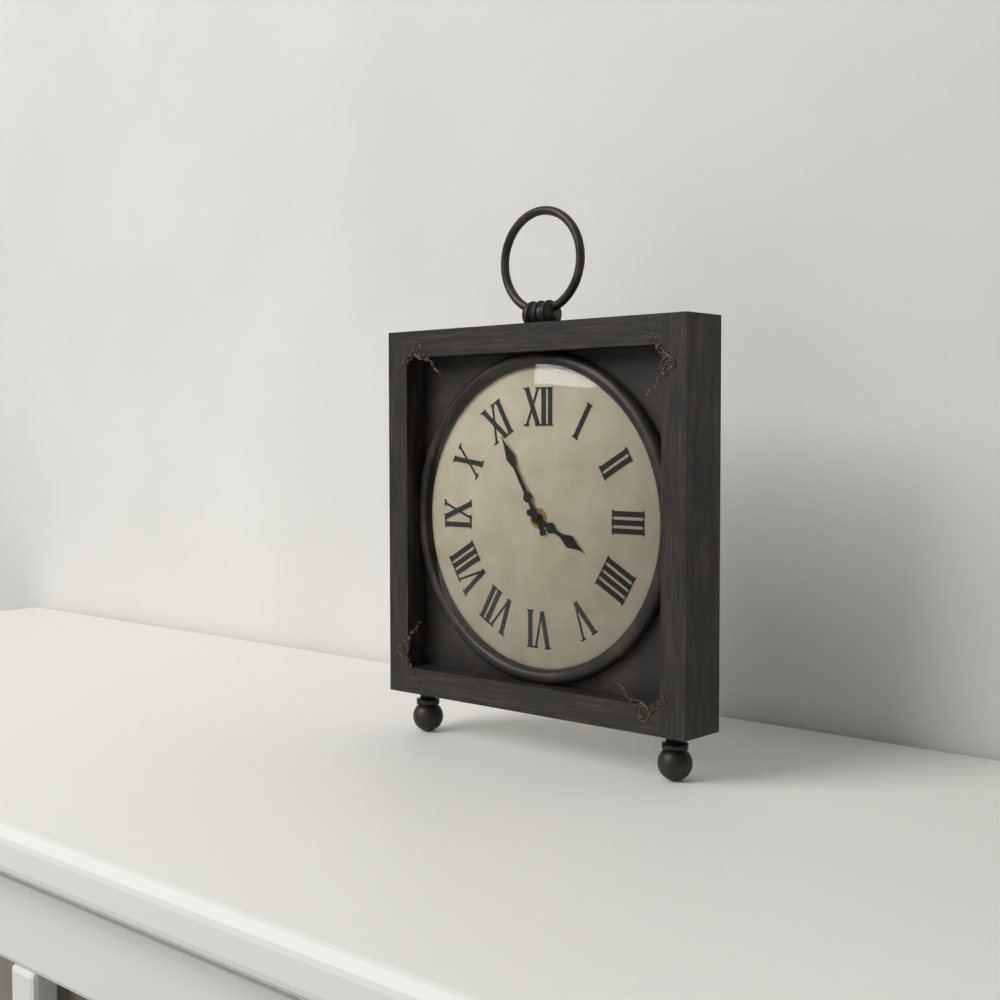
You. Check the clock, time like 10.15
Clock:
3.55
